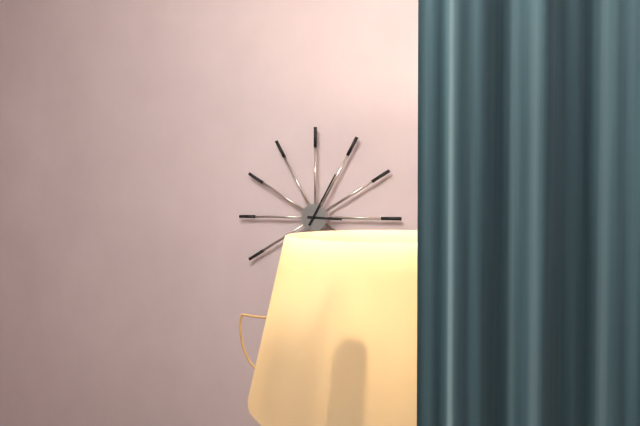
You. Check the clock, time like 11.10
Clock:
3.05
